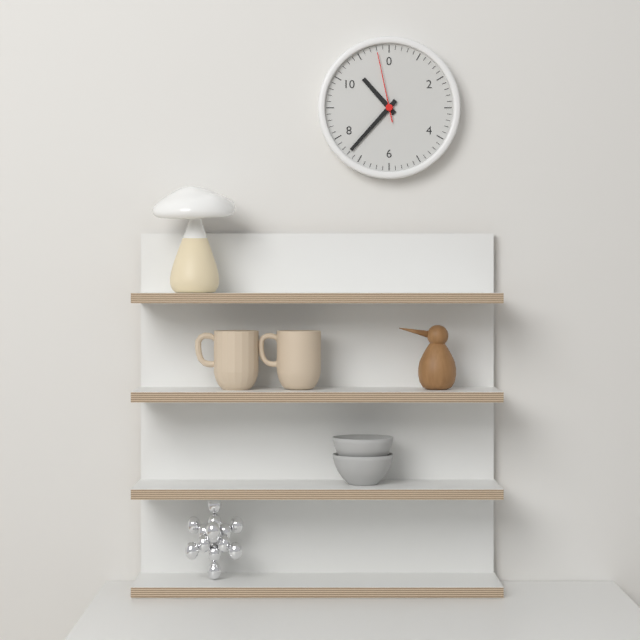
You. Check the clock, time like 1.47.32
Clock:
10.37.58
